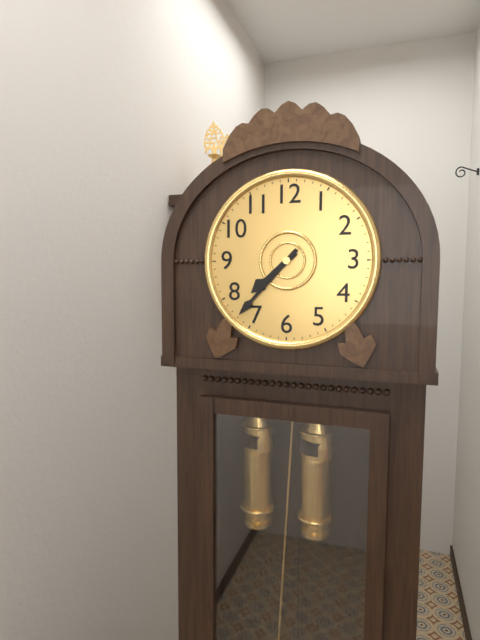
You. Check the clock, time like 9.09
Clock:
7.37
